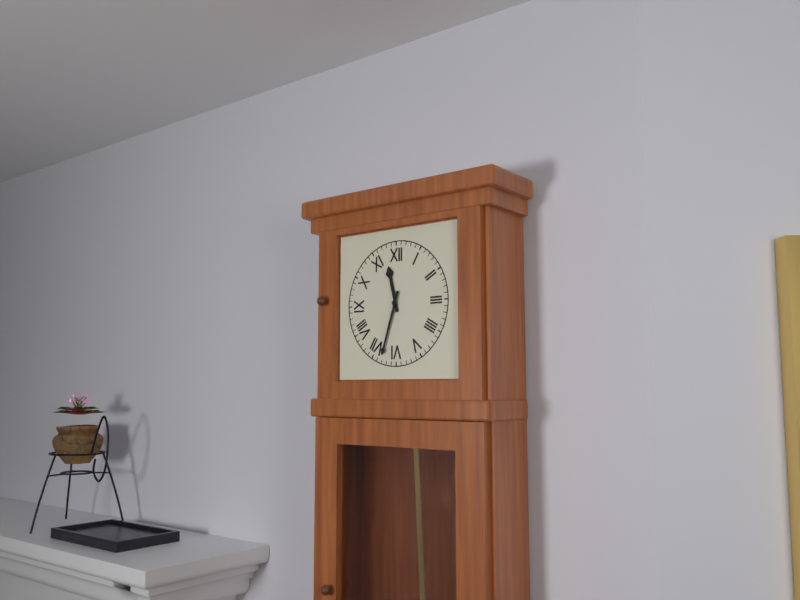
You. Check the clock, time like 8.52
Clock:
11.33
